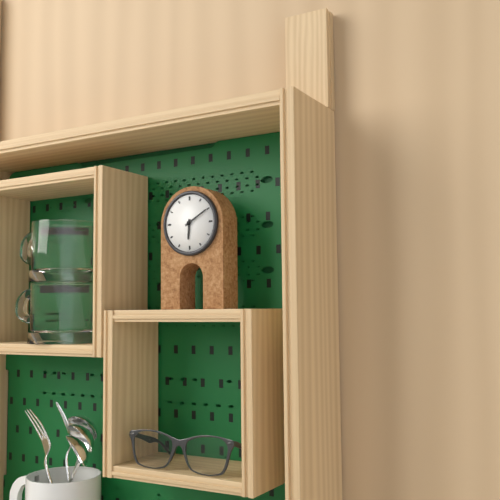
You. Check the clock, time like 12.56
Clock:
6.10
